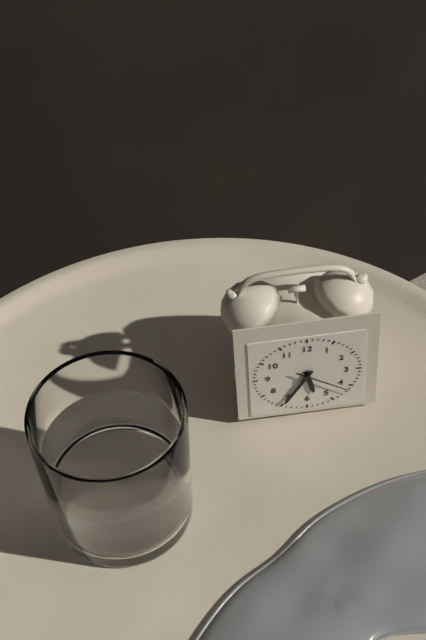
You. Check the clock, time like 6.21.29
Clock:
5.35.21
